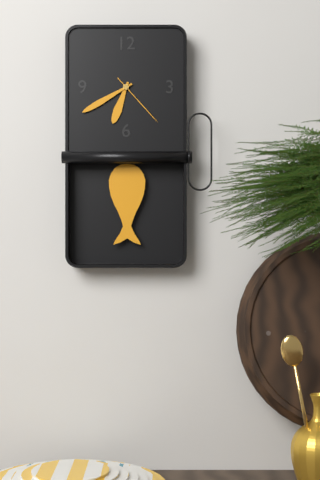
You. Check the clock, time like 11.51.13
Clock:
6.40.23
